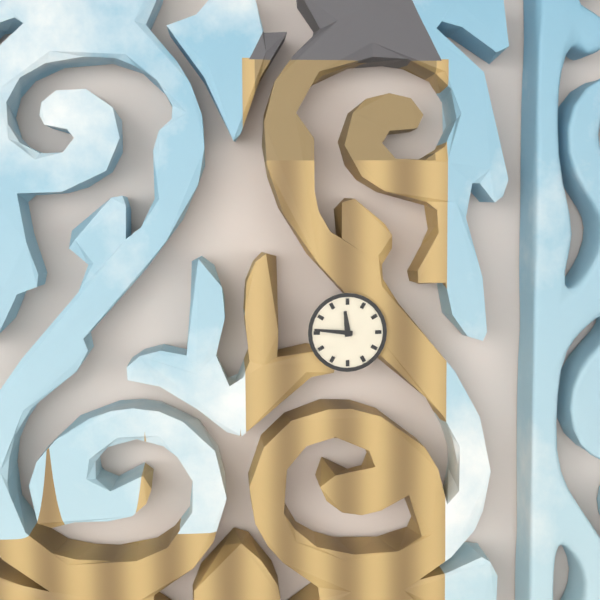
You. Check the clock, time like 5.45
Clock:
11.46
